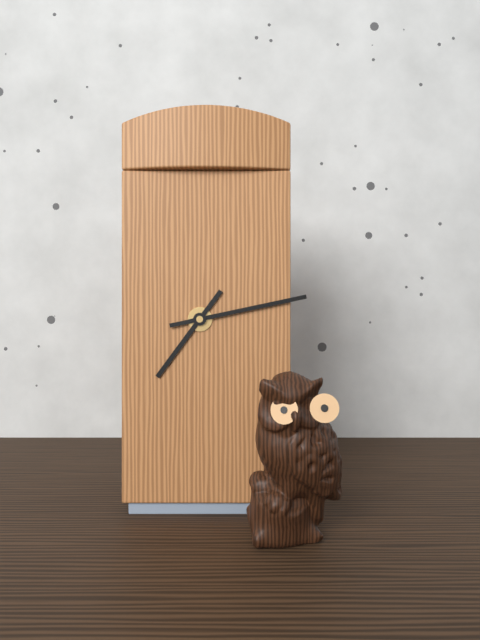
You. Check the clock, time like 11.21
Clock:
7.13
